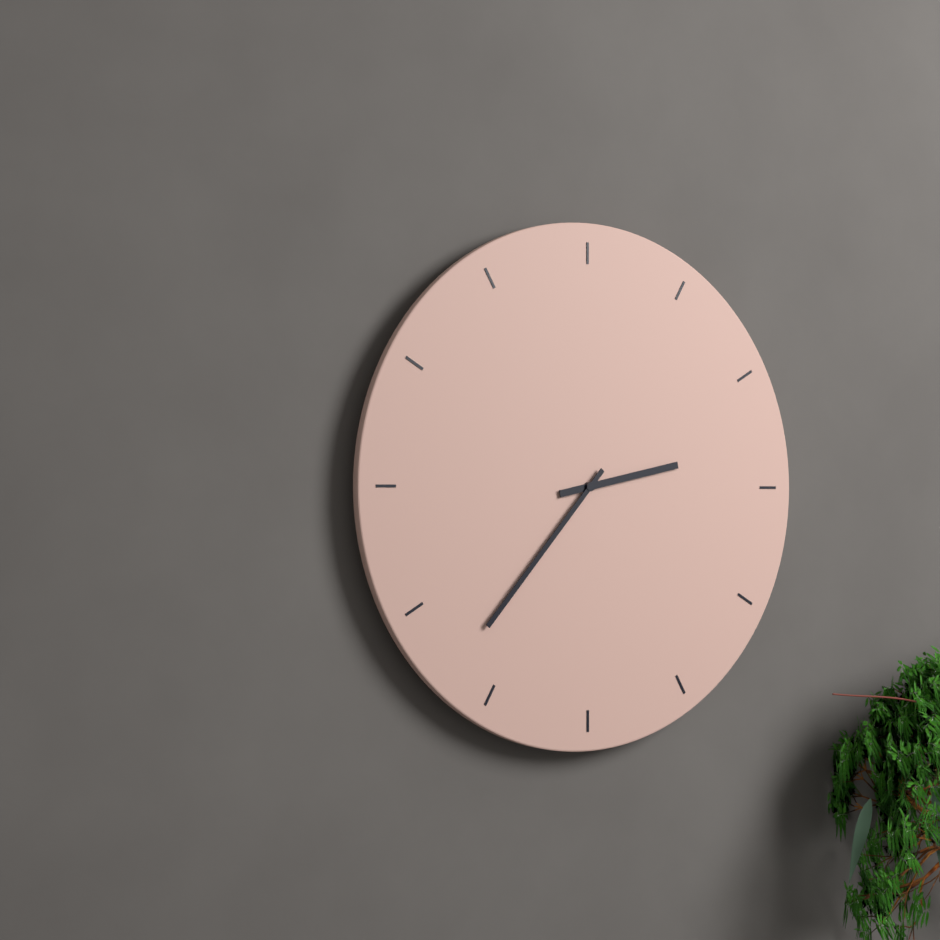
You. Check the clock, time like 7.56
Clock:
2.37
